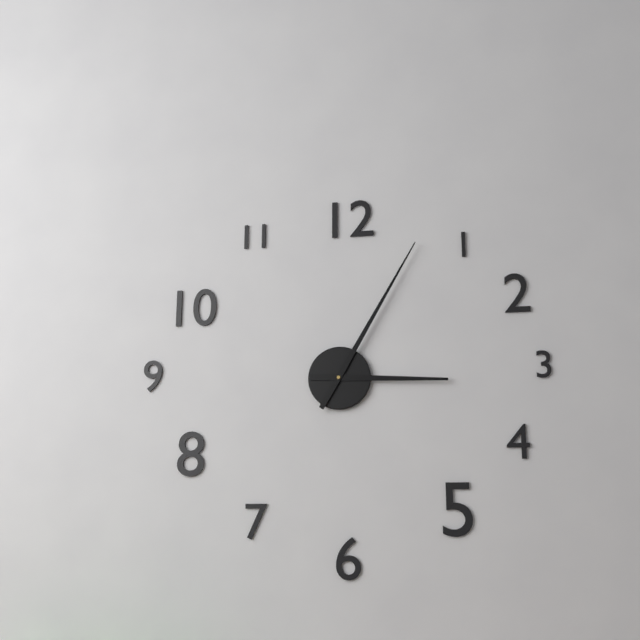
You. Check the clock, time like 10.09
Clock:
3.05
